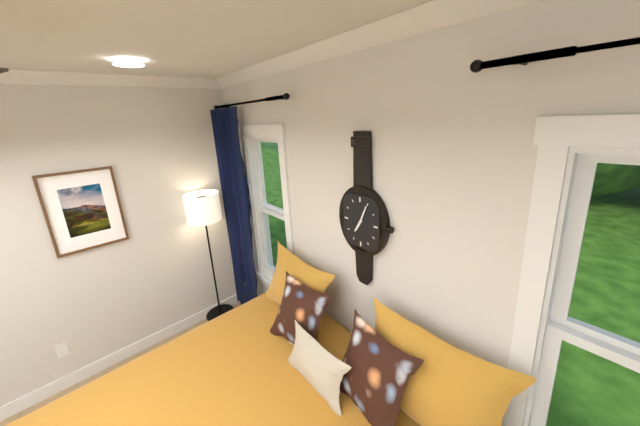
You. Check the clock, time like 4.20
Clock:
7.04
